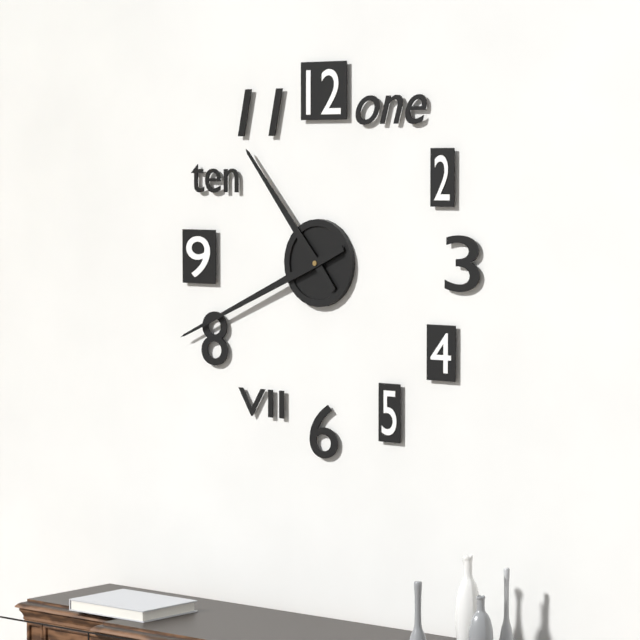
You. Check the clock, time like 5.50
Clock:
10.41
